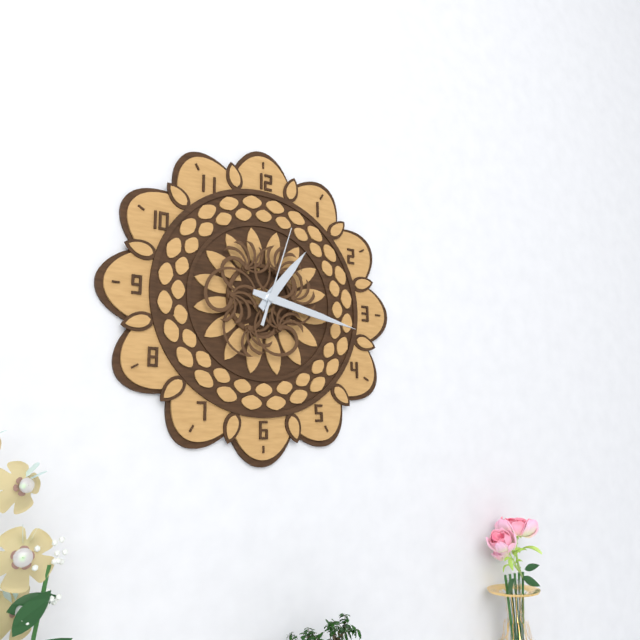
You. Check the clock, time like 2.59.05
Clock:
1.17.03
